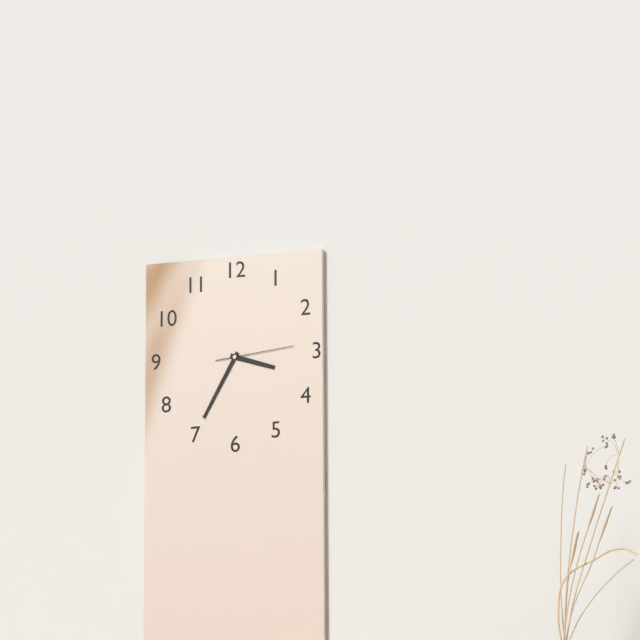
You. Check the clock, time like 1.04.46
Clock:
3.35.14
